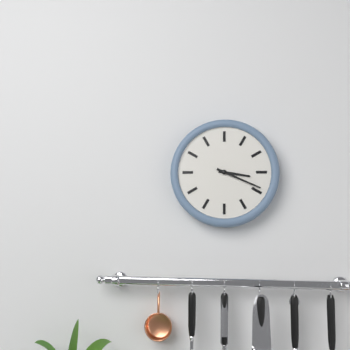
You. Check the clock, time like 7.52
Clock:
3.19
